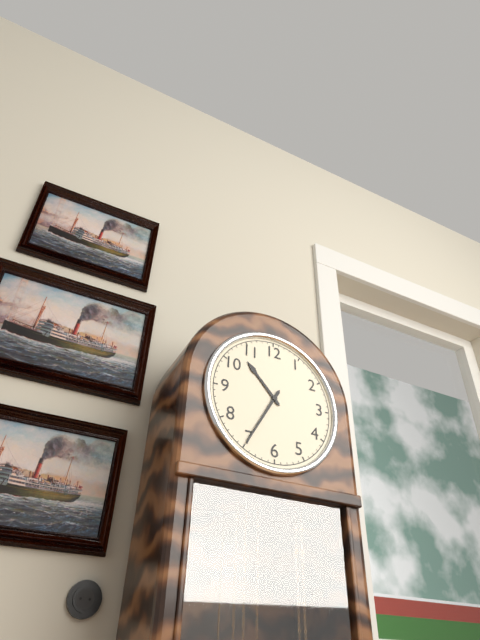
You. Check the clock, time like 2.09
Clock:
10.35
